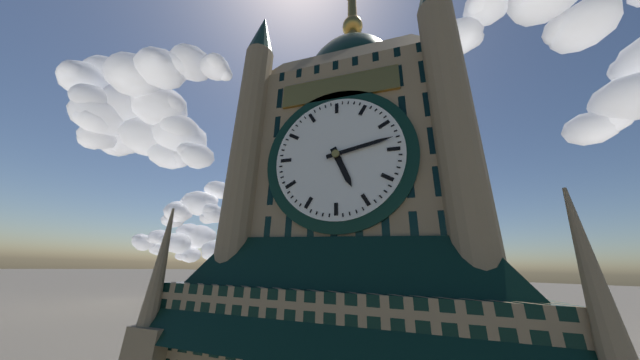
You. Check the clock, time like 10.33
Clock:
5.13
